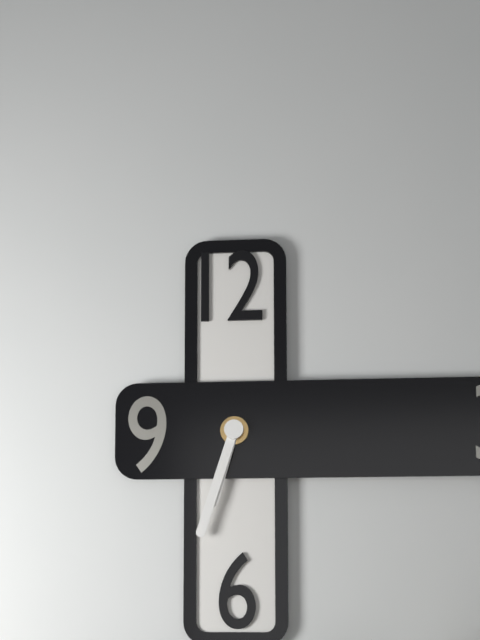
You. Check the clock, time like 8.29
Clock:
6.33
